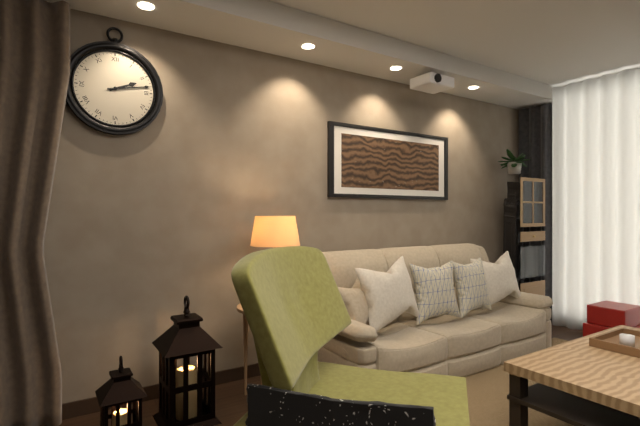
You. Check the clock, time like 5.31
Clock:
2.13
